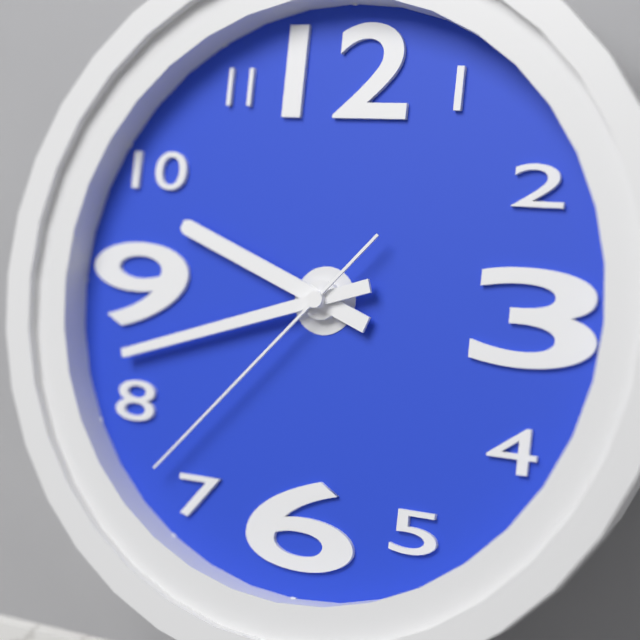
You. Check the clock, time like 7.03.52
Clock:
9.42.37
